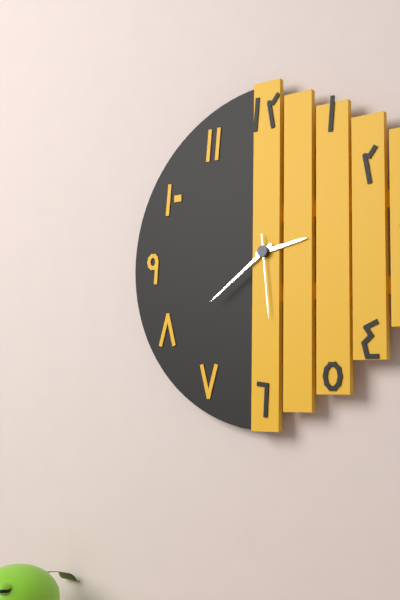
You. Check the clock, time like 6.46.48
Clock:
2.39.29
